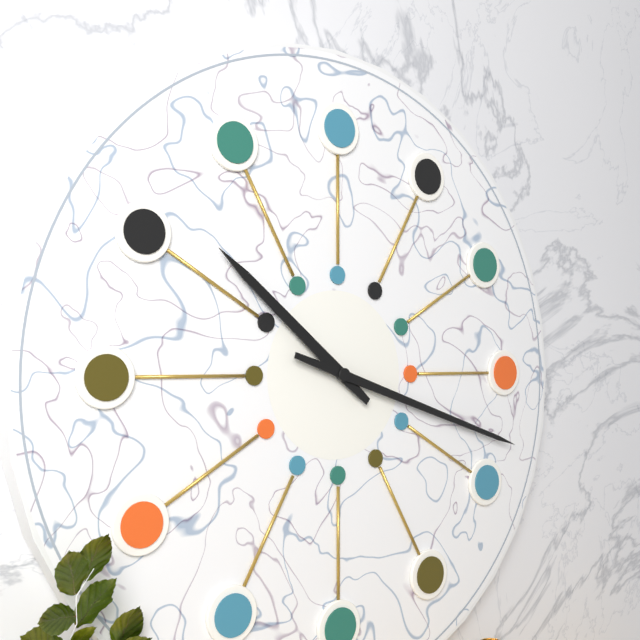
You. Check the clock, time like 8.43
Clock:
10.18
